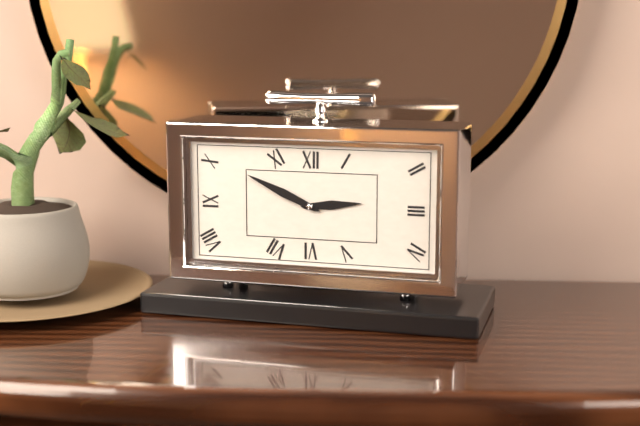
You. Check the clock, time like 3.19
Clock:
2.49
